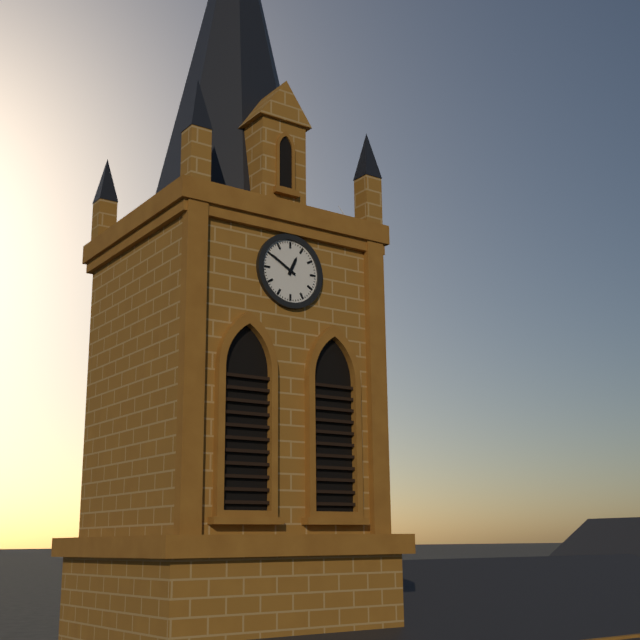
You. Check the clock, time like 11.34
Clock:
12.50
